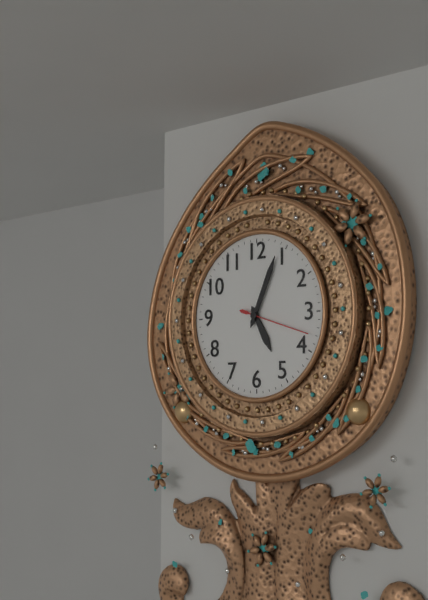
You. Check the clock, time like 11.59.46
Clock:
5.04.18
